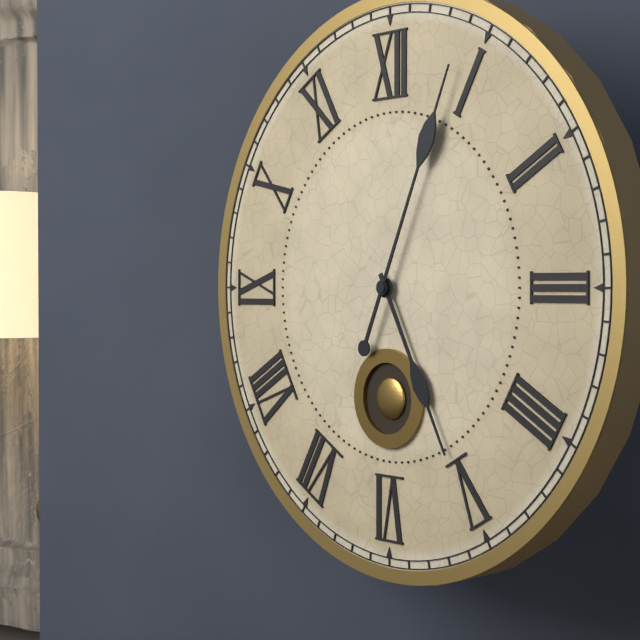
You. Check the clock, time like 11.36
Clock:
5.04
